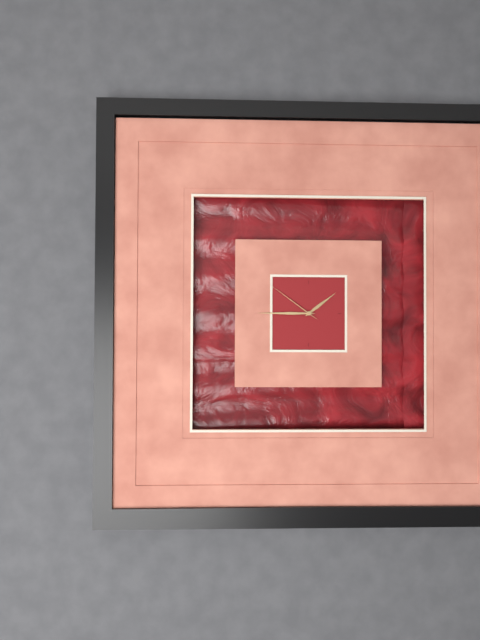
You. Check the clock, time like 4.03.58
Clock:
1.45.51
